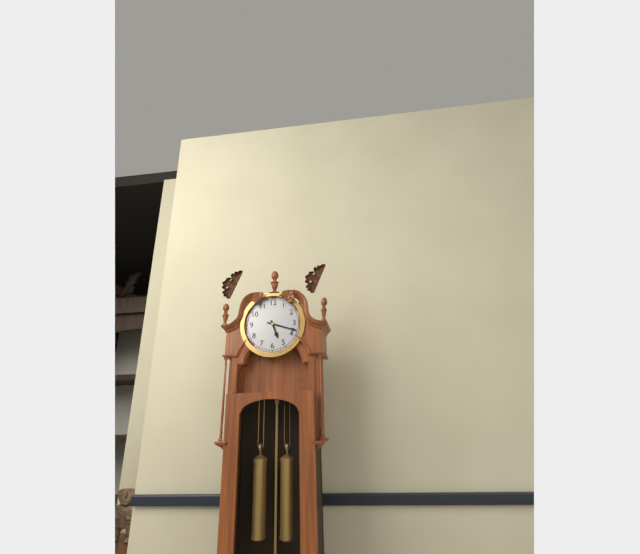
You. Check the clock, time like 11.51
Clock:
5.18
